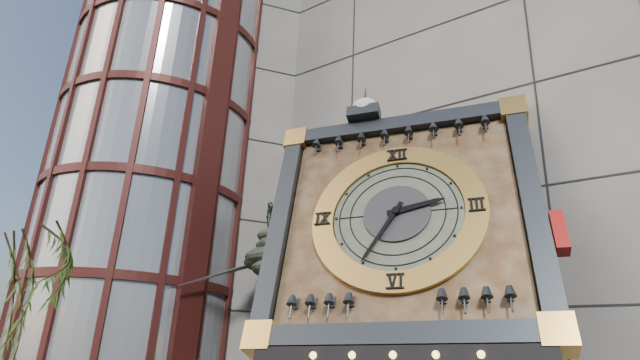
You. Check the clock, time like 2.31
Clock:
2.35
